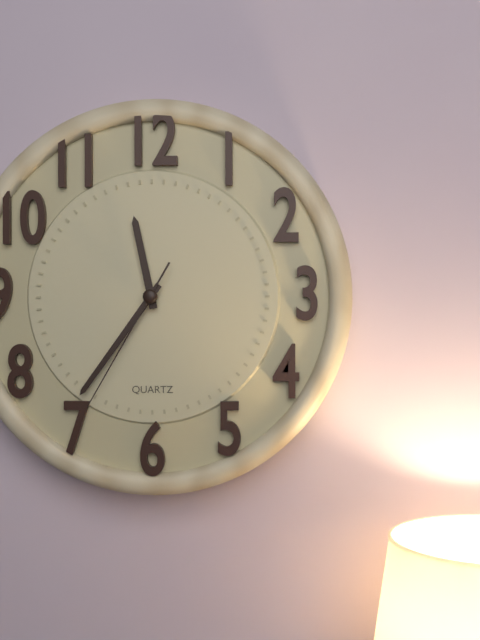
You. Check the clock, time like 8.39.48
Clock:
11.36.35
